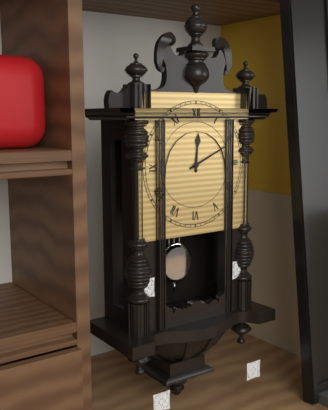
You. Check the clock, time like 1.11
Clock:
12.11
